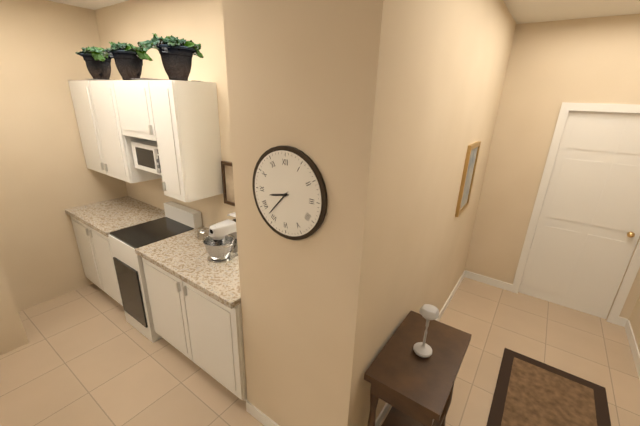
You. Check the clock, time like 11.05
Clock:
8.37
